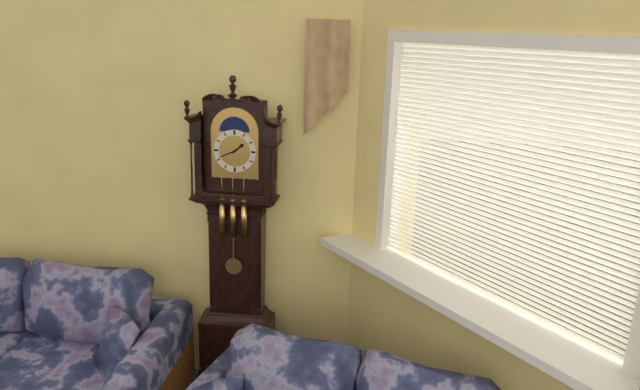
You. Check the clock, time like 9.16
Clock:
1.41
